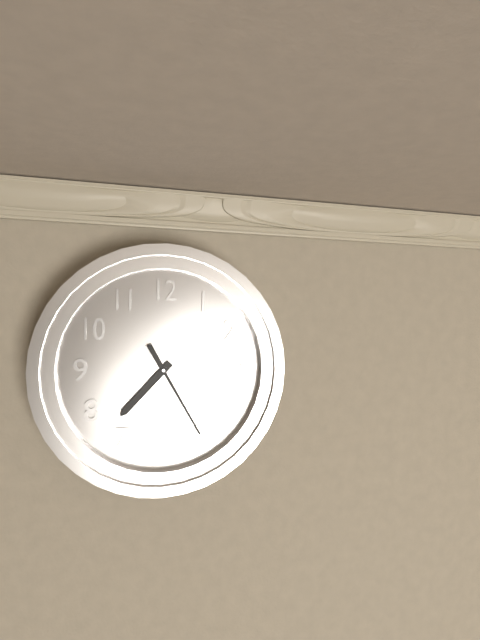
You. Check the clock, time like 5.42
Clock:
7.25
